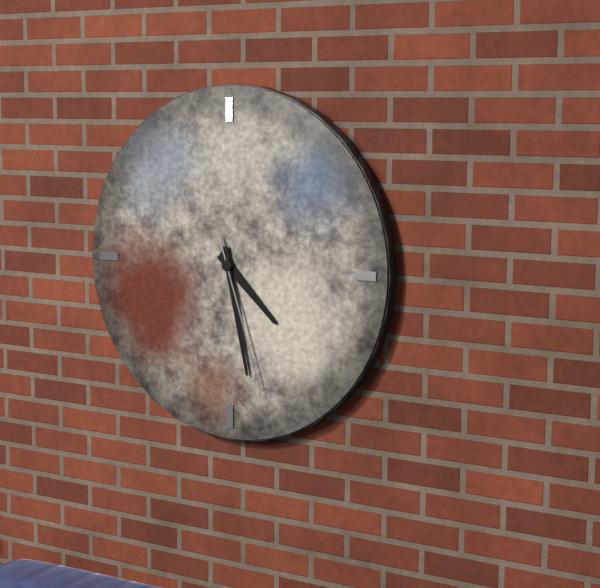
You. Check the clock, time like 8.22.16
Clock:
4.28.27
